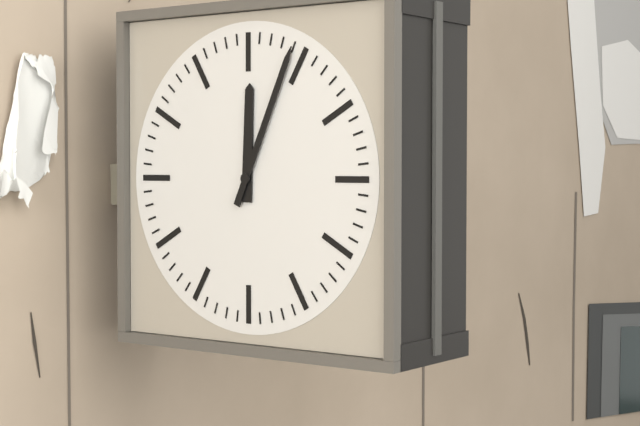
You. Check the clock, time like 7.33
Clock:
12.04
